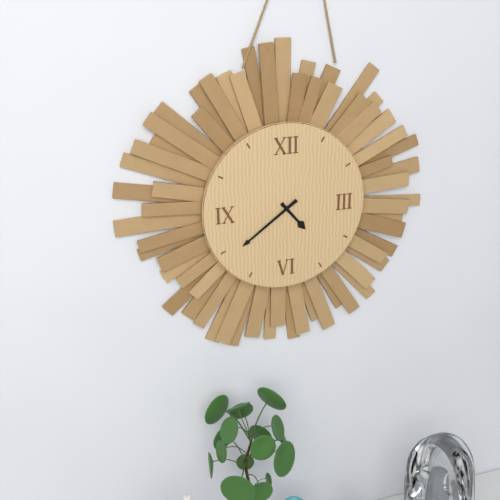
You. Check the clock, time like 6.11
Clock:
4.39
